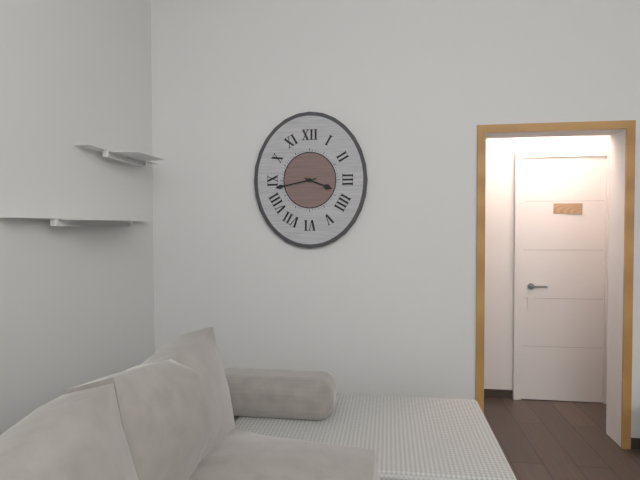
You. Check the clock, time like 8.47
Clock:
3.43
